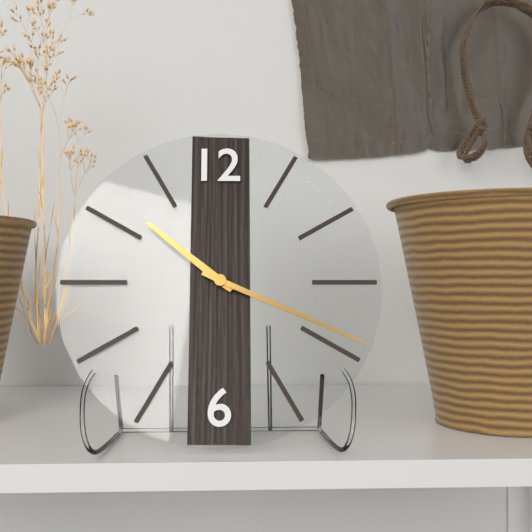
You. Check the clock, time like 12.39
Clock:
10.19
